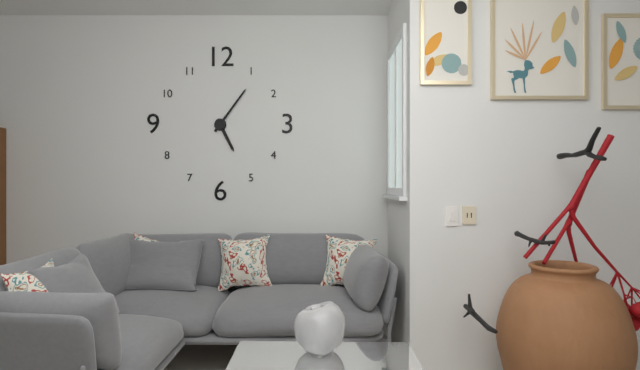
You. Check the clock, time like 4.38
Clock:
5.06
